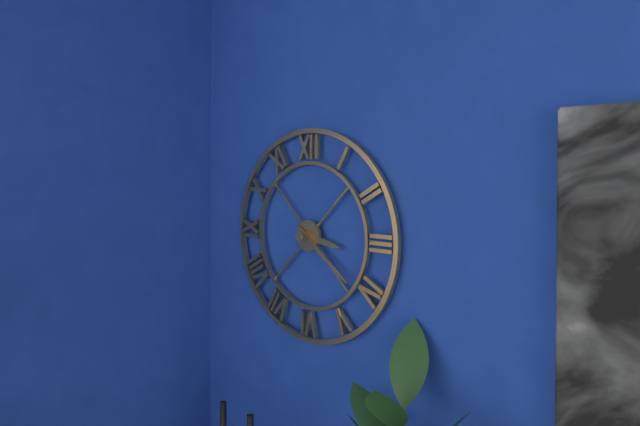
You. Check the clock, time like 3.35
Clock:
3.21
